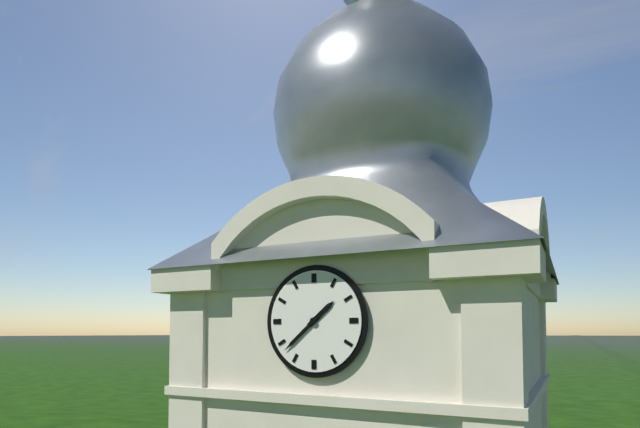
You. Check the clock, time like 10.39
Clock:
1.38
